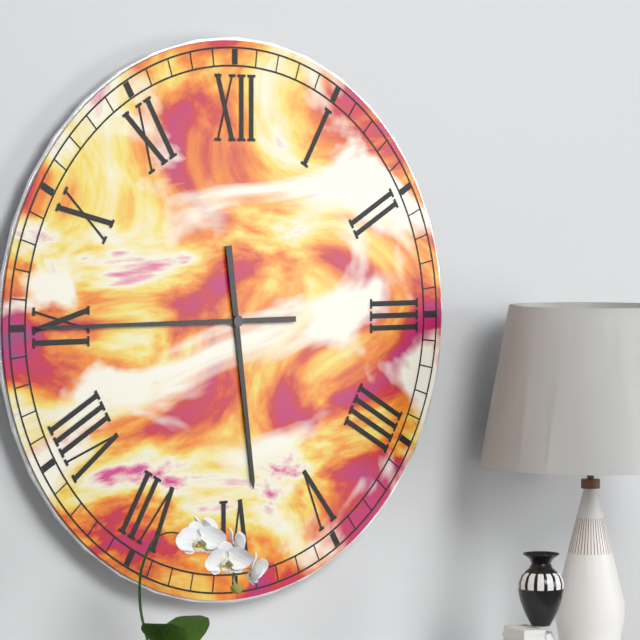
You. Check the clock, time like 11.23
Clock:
5.45
